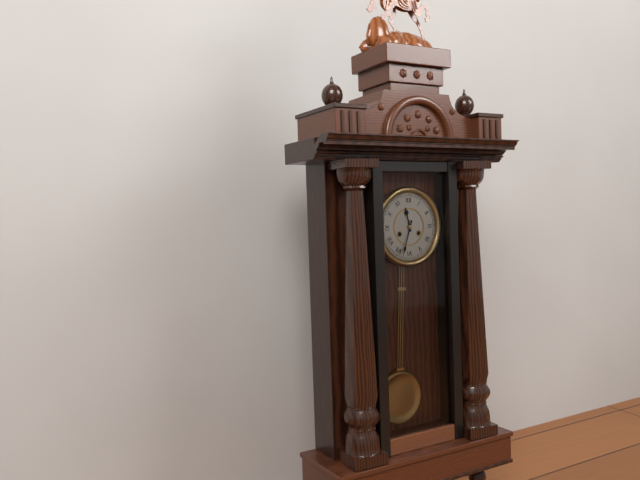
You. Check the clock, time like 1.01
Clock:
11.33
